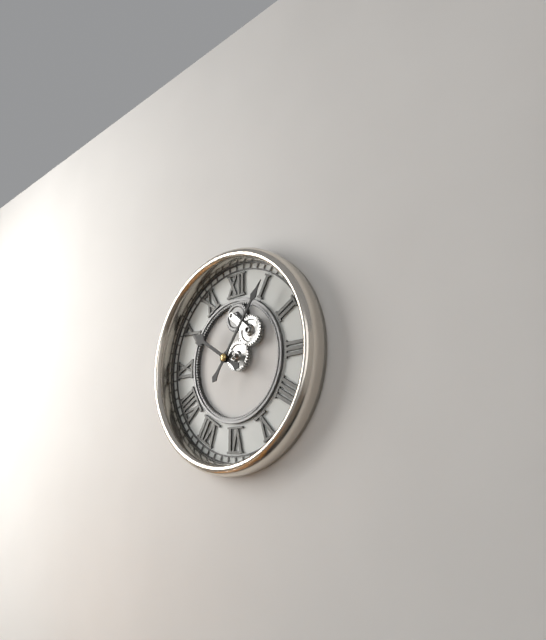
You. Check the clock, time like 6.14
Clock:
10.06
